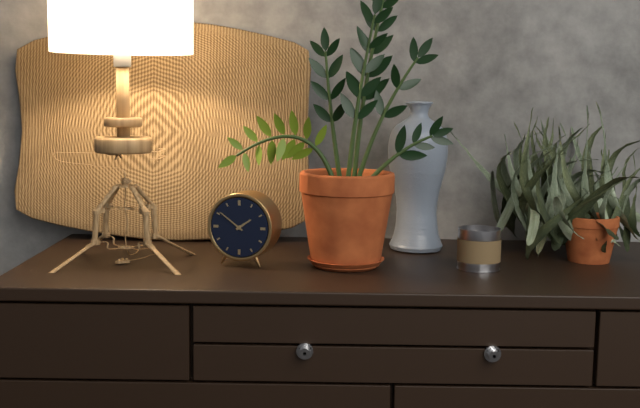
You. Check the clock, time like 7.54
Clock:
1.51
